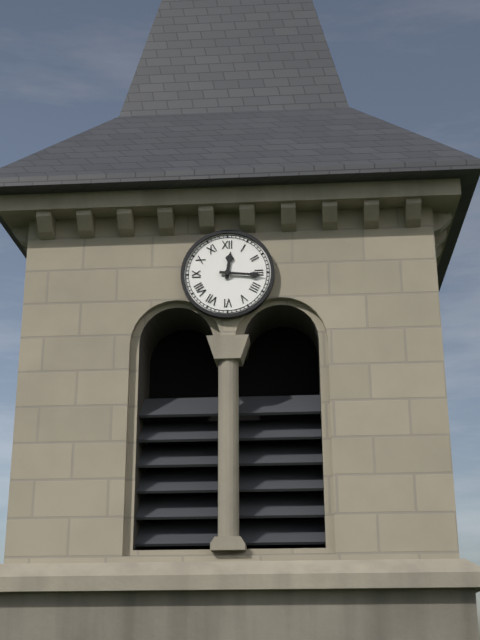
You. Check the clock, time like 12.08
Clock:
12.16
